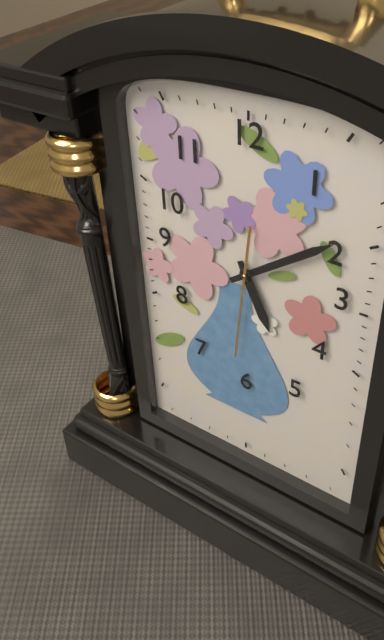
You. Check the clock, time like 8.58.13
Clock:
5.09.31
